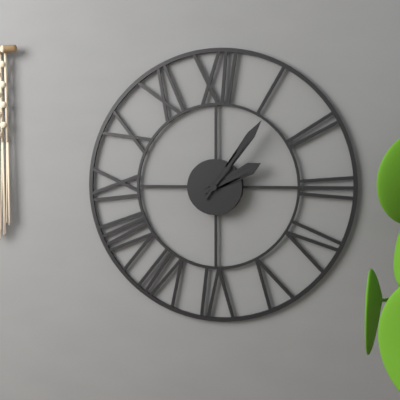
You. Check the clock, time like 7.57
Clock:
2.06
